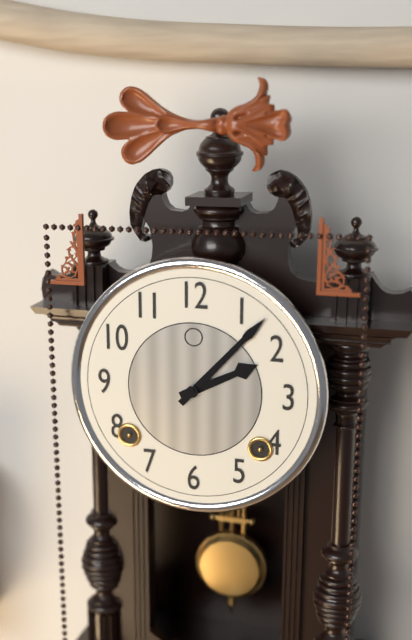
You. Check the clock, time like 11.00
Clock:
2.07
